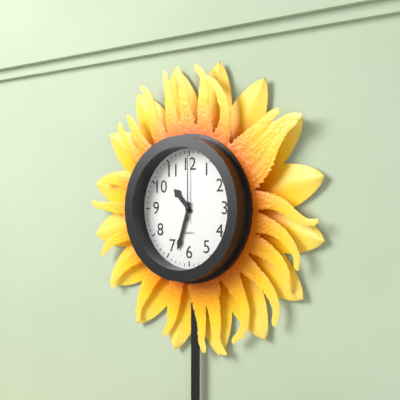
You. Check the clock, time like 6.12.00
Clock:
10.33.00
